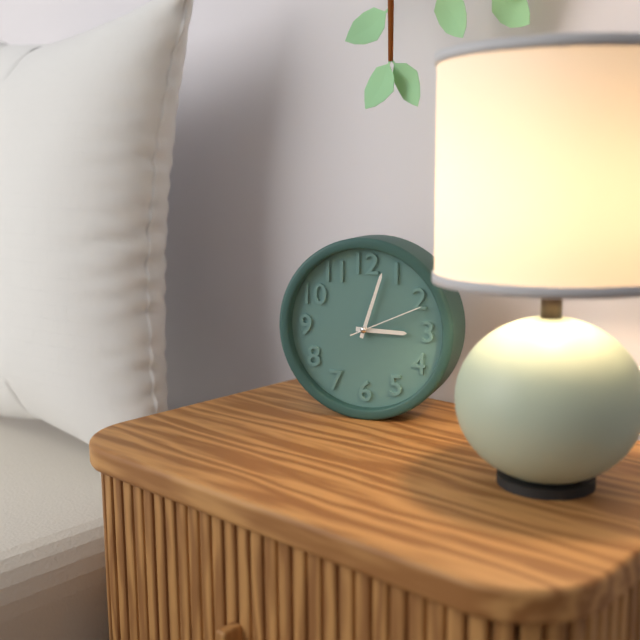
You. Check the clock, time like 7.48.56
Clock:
3.03.11
